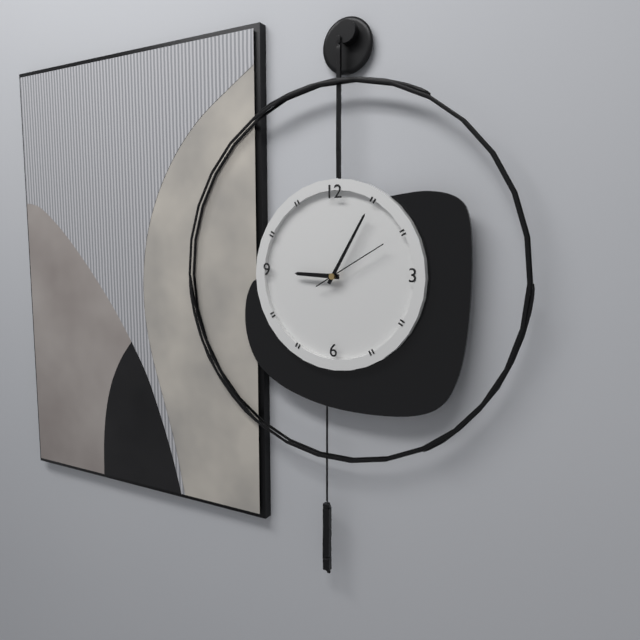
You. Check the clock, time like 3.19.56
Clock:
9.05.10
